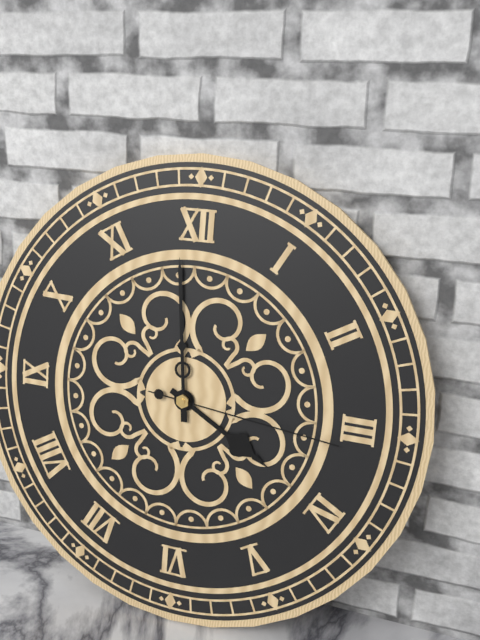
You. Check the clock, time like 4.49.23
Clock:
3.59.16
